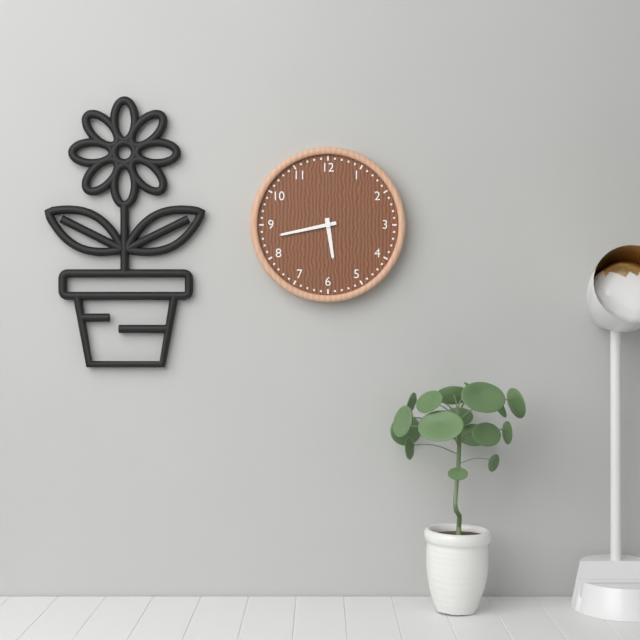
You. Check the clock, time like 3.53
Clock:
5.43
